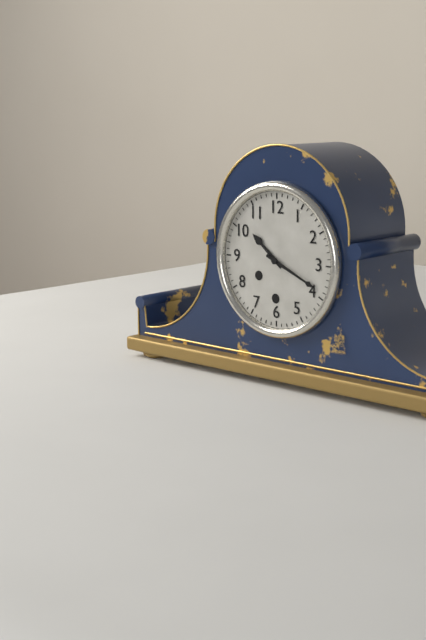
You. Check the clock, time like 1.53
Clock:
10.19
